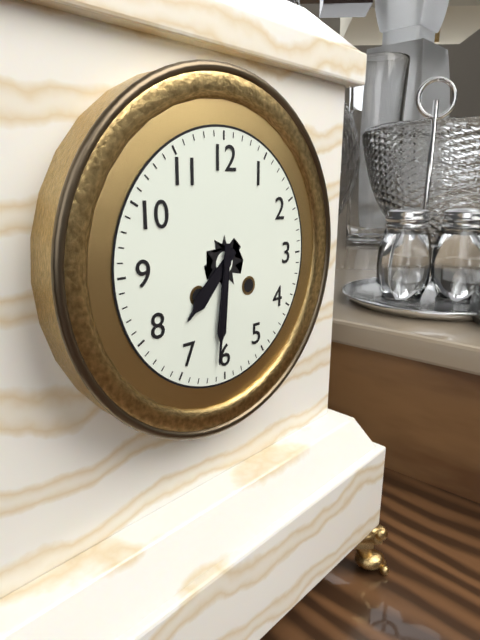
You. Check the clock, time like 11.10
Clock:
7.31
